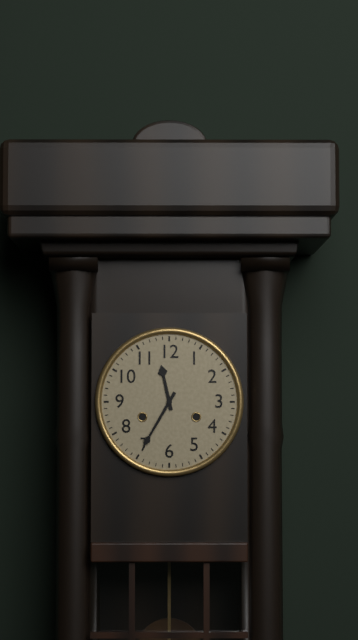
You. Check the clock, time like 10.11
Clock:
11.35
